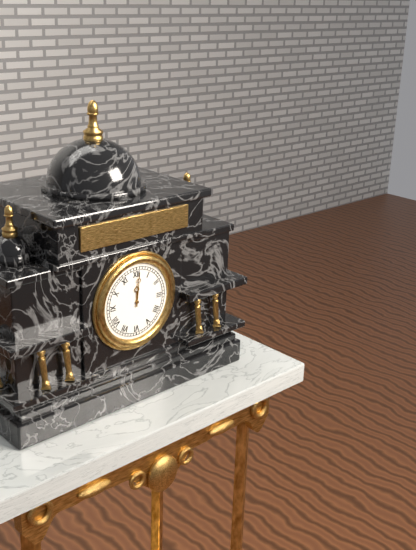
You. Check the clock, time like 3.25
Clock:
12.01
